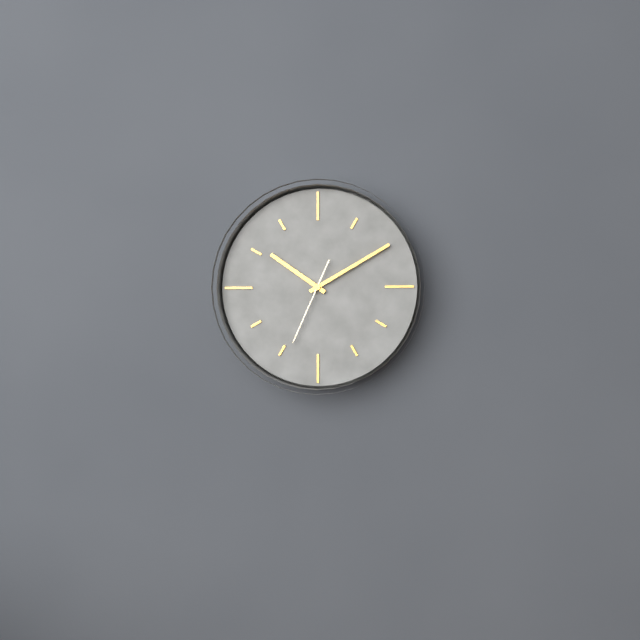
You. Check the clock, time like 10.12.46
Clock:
10.10.34
